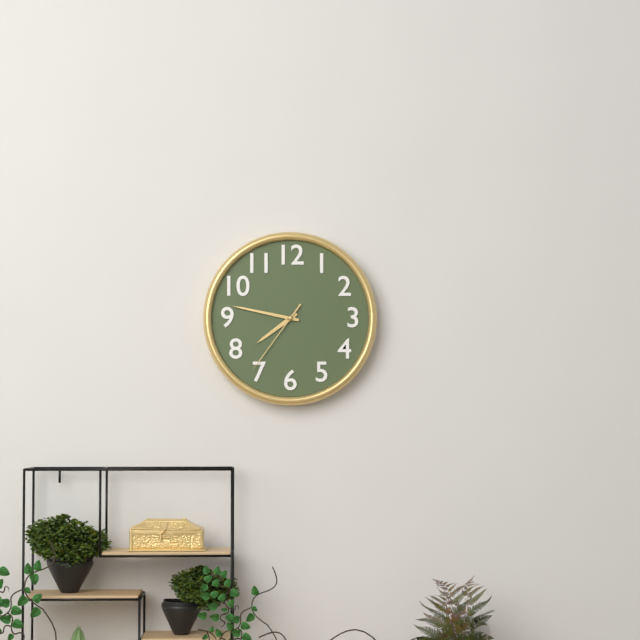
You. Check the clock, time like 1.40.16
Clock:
7.47.36
